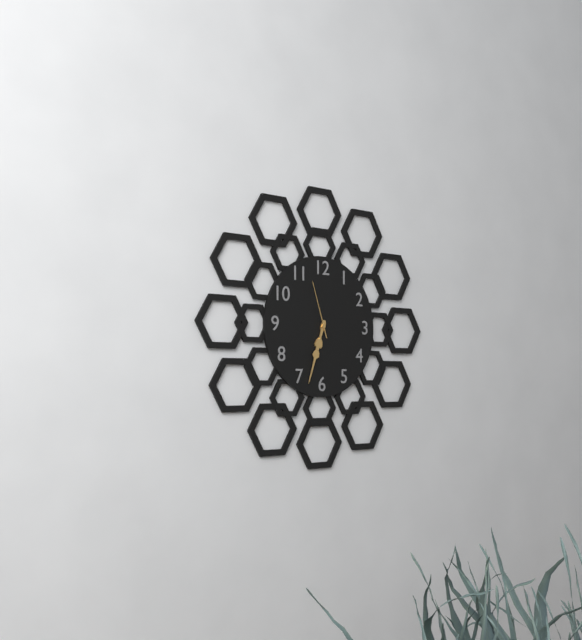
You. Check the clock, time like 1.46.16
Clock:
6.33.57
